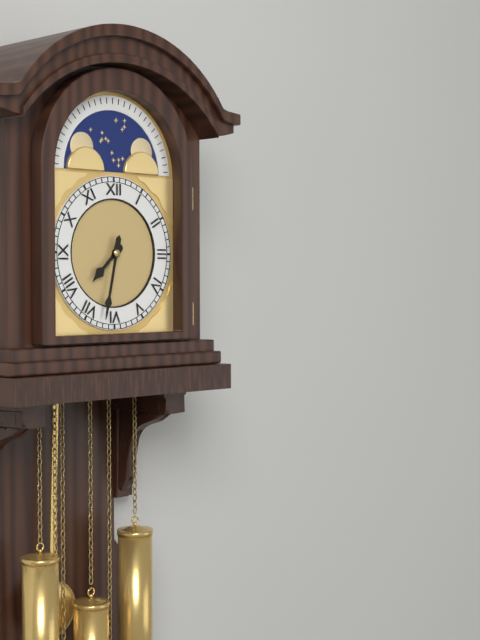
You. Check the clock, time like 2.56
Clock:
7.32
